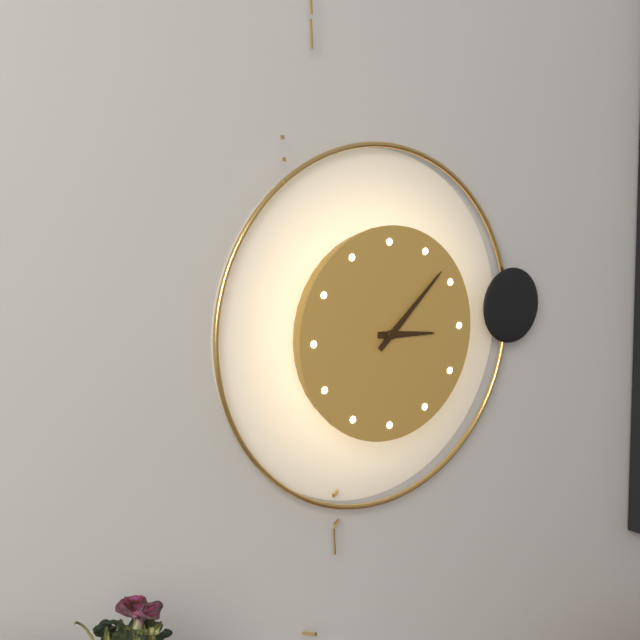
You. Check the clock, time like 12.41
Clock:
3.08
